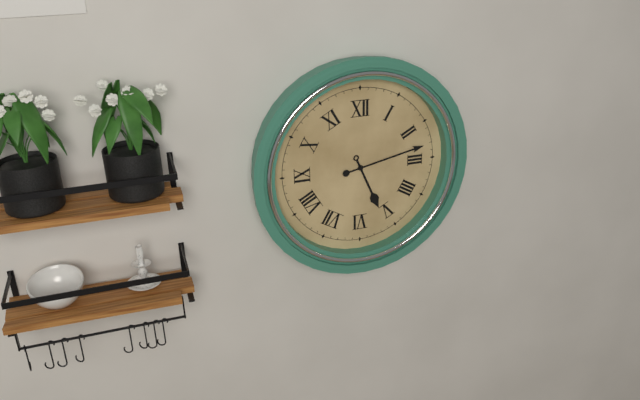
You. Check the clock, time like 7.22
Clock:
5.13
